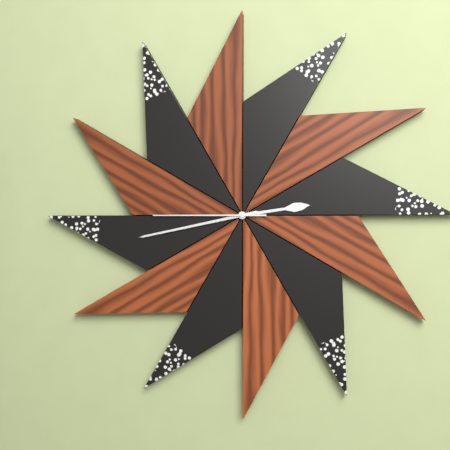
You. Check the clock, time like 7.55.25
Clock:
2.43.45
